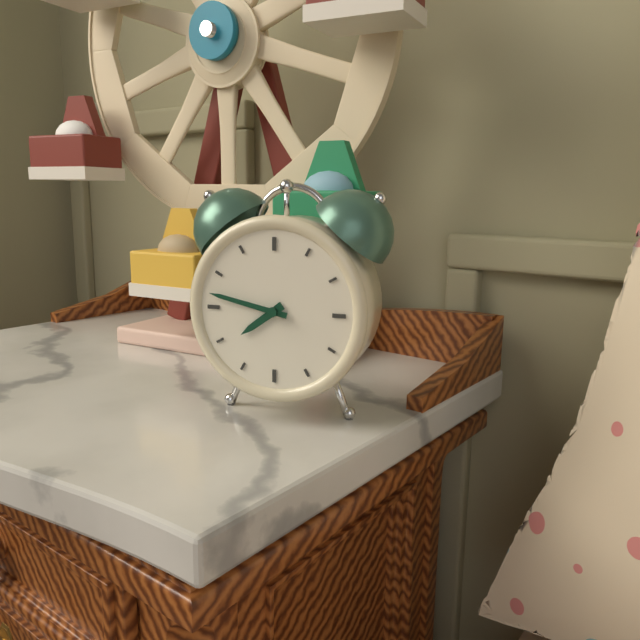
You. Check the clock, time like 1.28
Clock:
7.47
